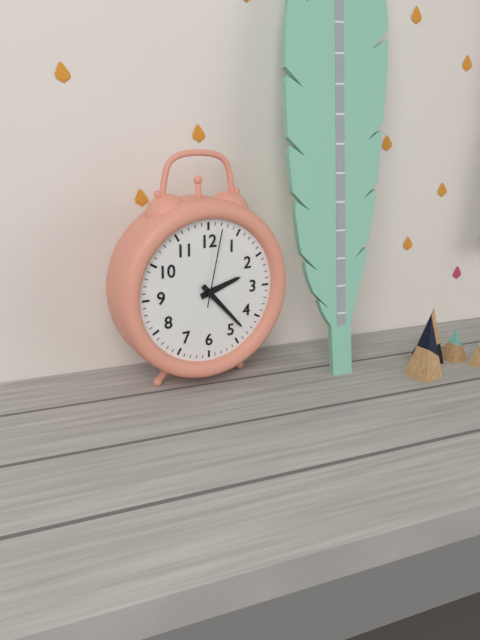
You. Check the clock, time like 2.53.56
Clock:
2.23.02
